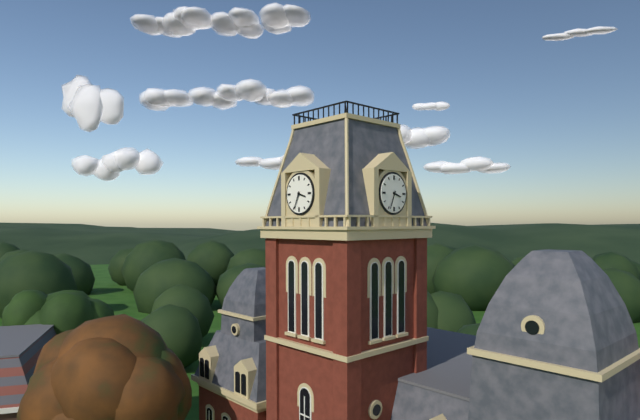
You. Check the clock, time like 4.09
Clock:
3.34
